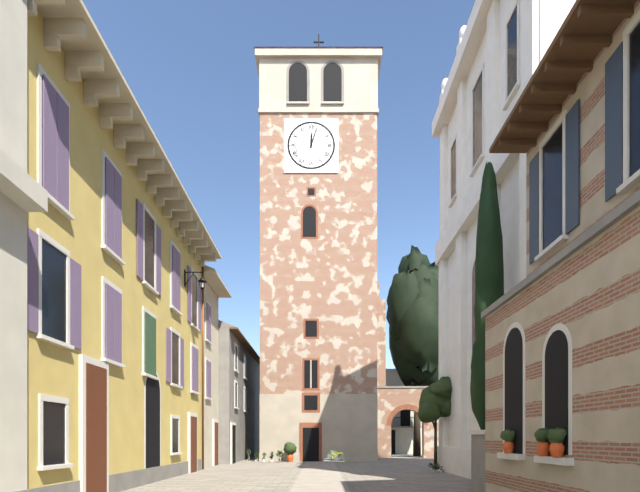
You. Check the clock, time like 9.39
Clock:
12.03
